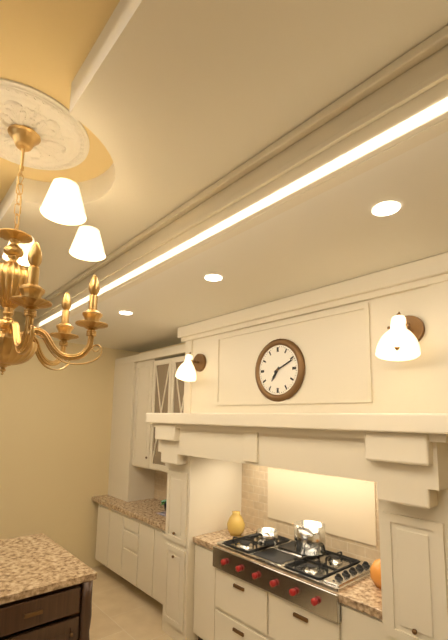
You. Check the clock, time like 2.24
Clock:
7.11
